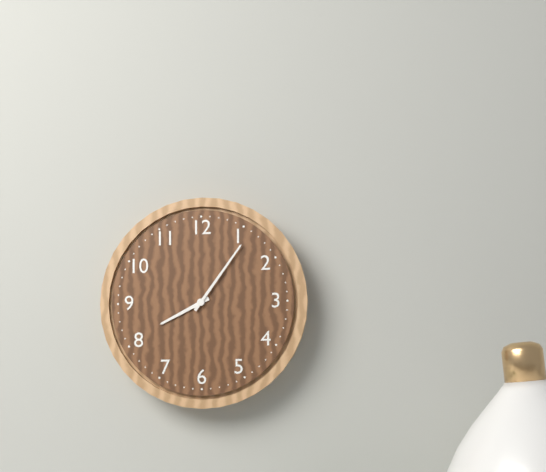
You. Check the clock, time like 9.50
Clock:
8.06
